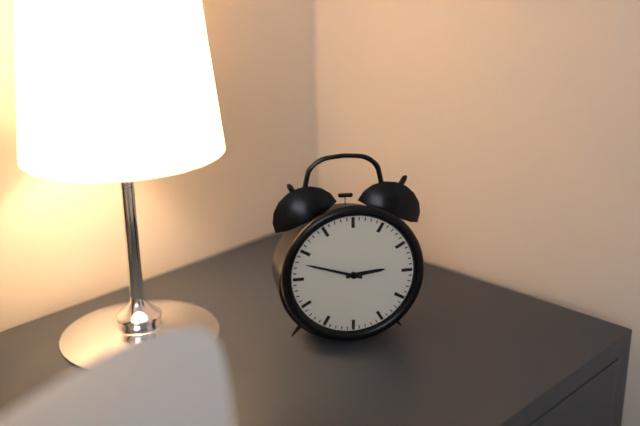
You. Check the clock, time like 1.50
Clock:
2.48
